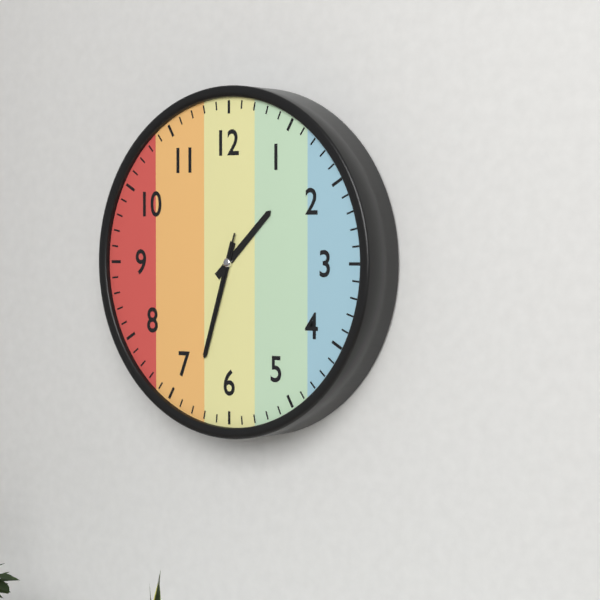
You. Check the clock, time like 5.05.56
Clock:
1.33.33
